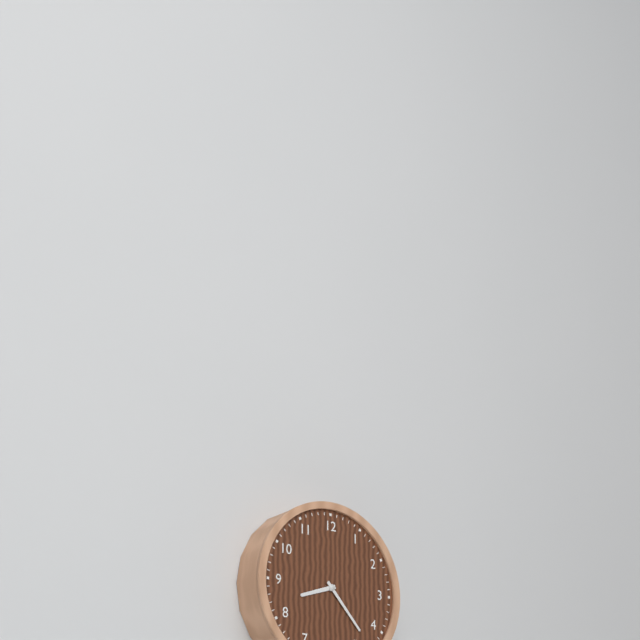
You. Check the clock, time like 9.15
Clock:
8.23
